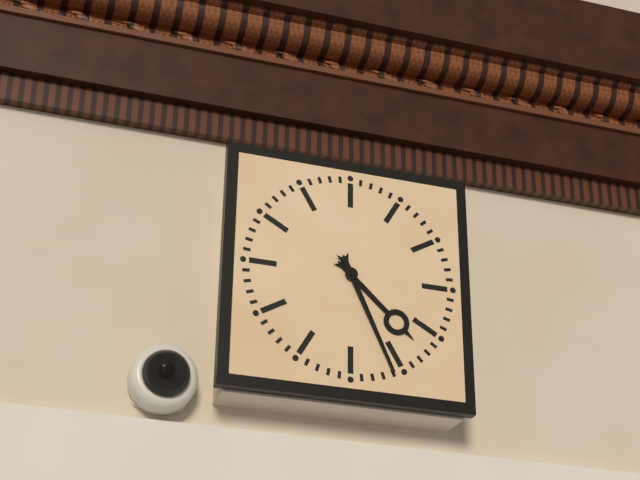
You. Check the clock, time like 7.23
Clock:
4.26
